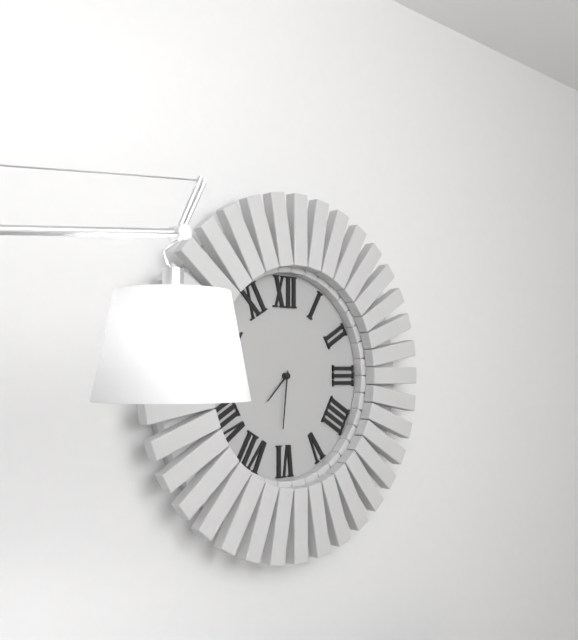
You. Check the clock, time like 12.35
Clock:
7.31
